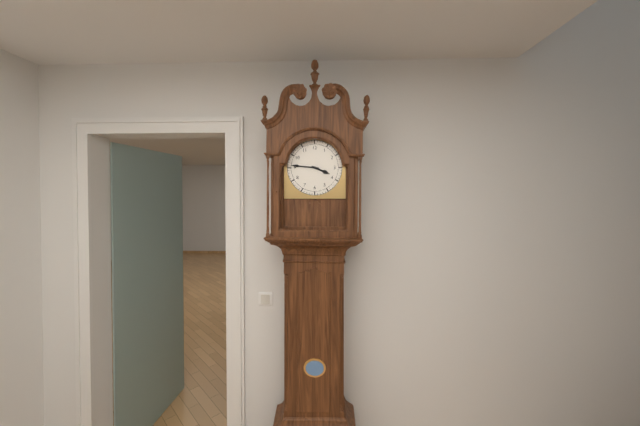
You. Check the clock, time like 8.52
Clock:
3.46
